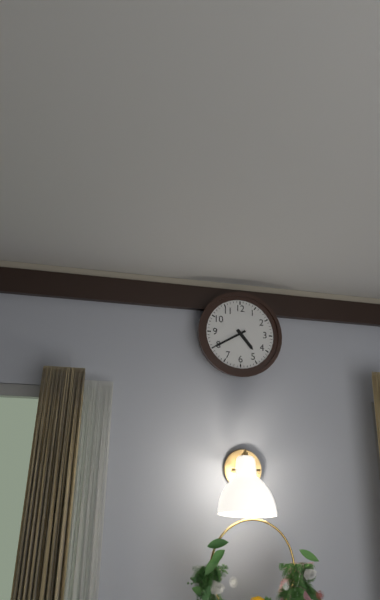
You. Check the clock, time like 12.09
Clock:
4.40
